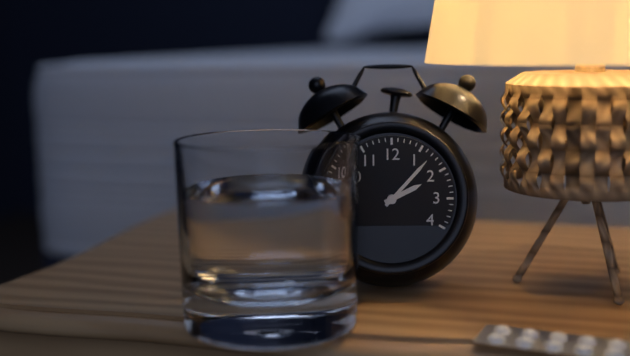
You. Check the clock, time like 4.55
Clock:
2.07
